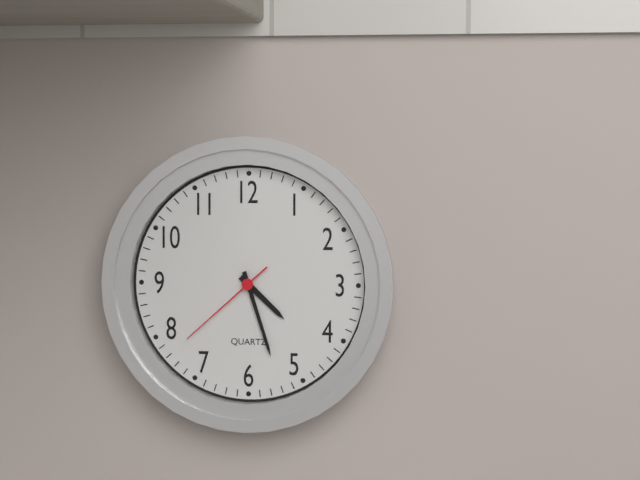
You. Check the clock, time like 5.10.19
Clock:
4.27.38
